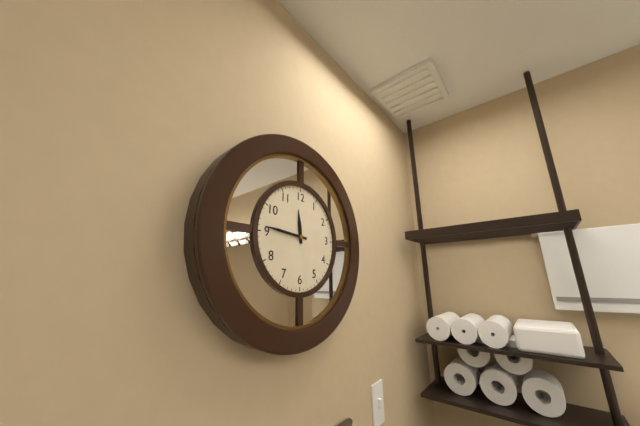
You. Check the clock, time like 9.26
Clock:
11.46
